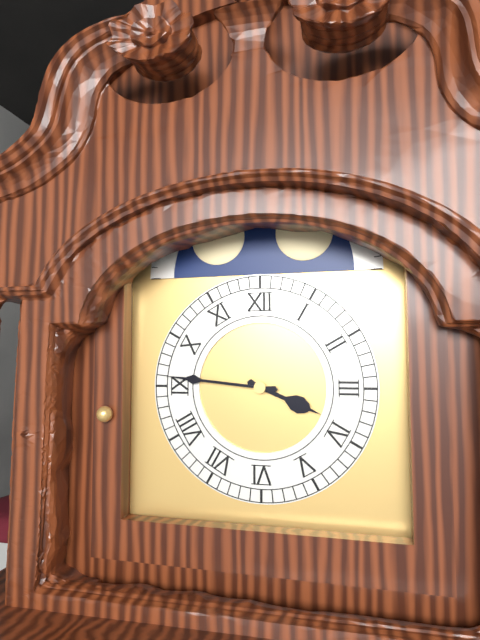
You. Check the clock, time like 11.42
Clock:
3.46
